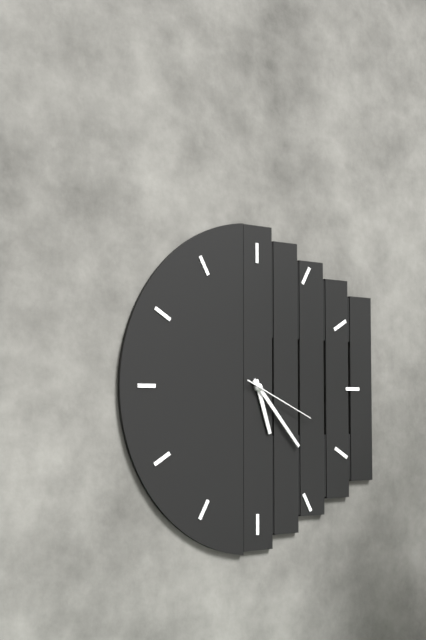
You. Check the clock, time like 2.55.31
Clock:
5.23.19
